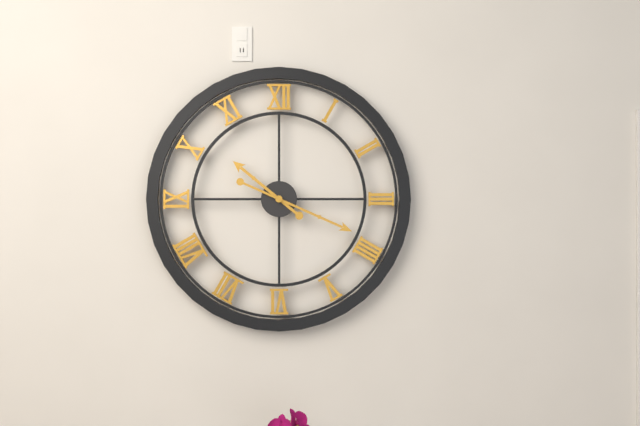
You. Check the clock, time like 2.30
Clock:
10.19
